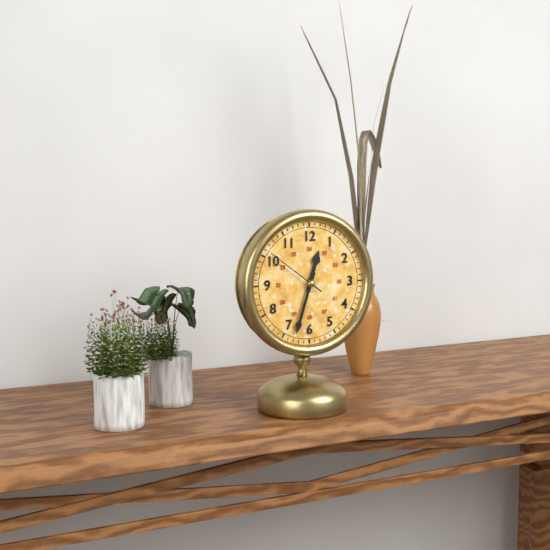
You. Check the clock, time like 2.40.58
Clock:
12.33.51
